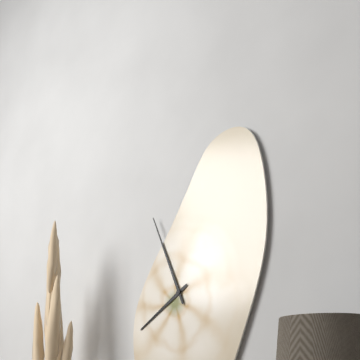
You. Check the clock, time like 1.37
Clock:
7.56
